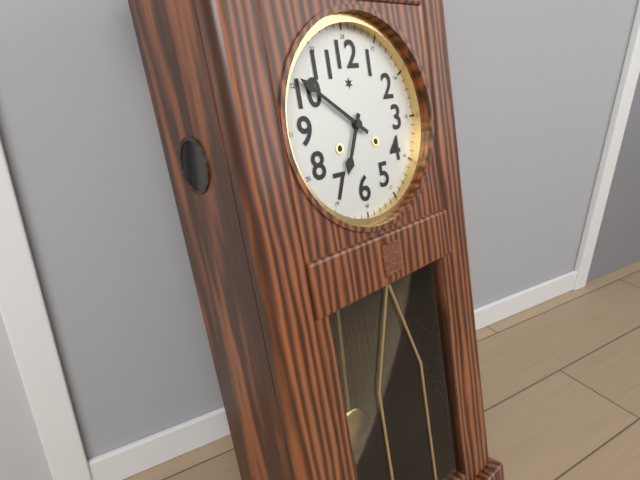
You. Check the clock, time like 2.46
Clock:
6.51
